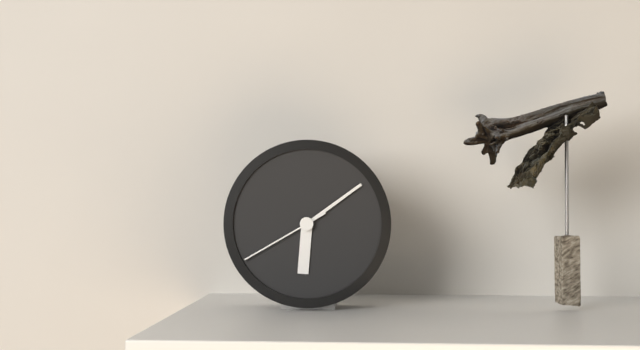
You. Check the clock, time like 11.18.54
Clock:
6.09.40
